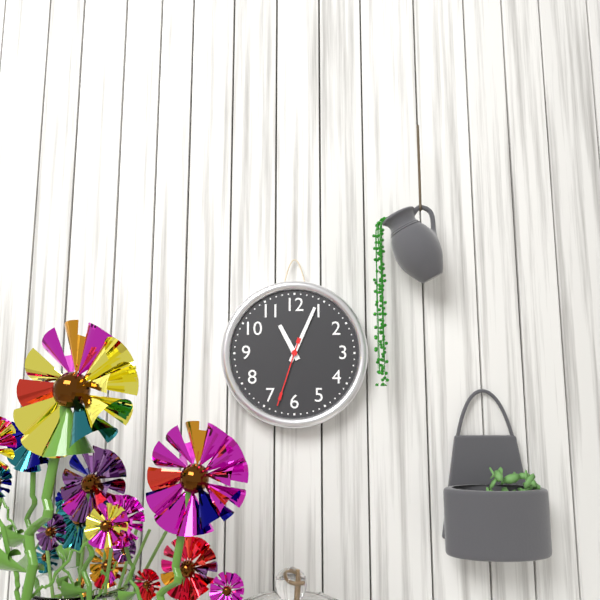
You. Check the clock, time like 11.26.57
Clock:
11.04.33
